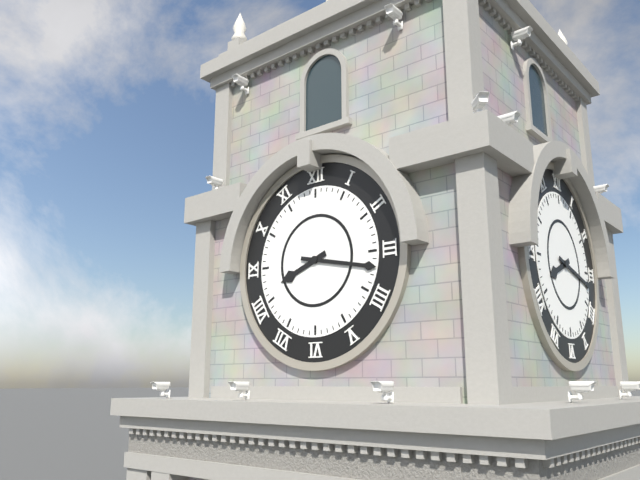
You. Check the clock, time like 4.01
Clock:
8.17
